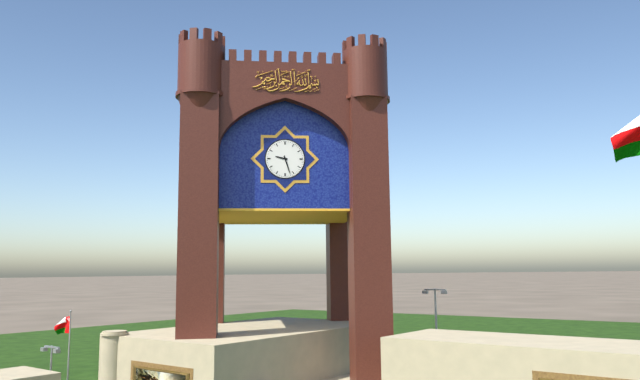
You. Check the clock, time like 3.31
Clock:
9.27
